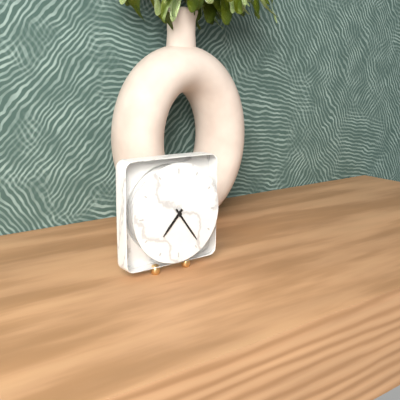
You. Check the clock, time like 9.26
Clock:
7.24
